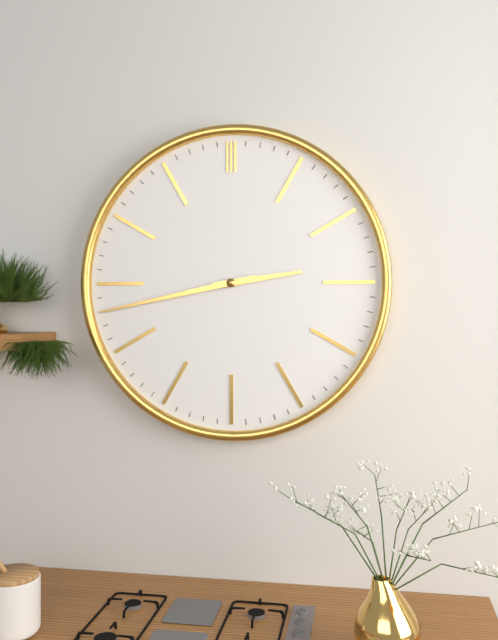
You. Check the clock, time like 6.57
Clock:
2.43
